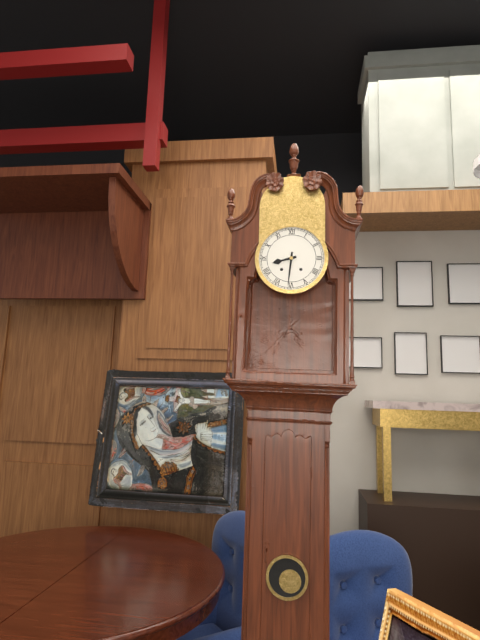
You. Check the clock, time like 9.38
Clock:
8.31
